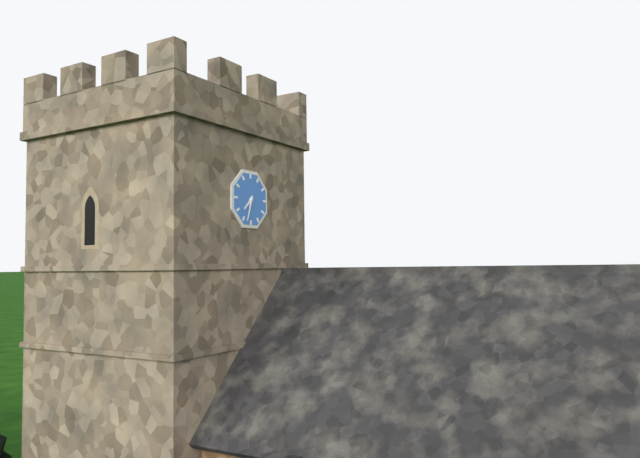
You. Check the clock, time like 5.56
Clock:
7.33
